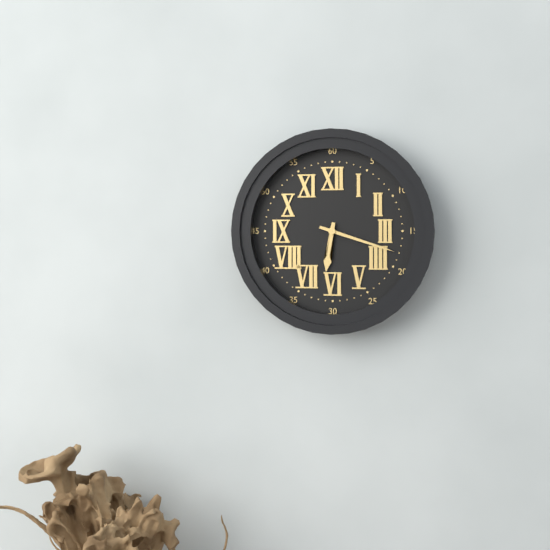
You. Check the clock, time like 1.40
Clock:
6.18
